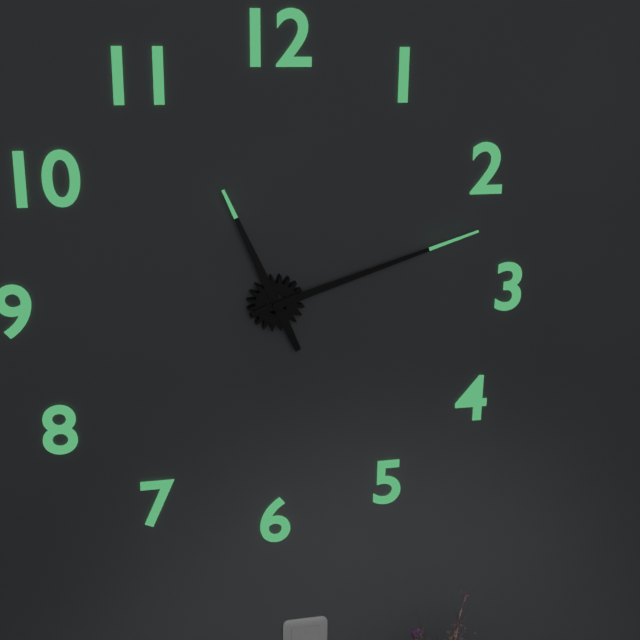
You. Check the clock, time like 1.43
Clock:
11.12
